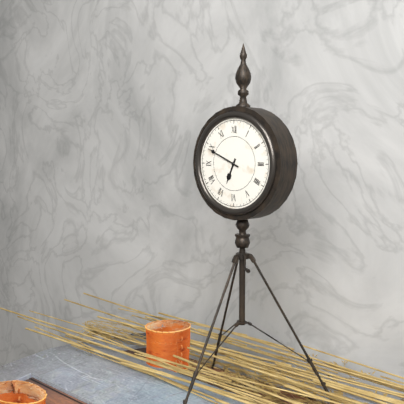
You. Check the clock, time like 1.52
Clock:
6.49
